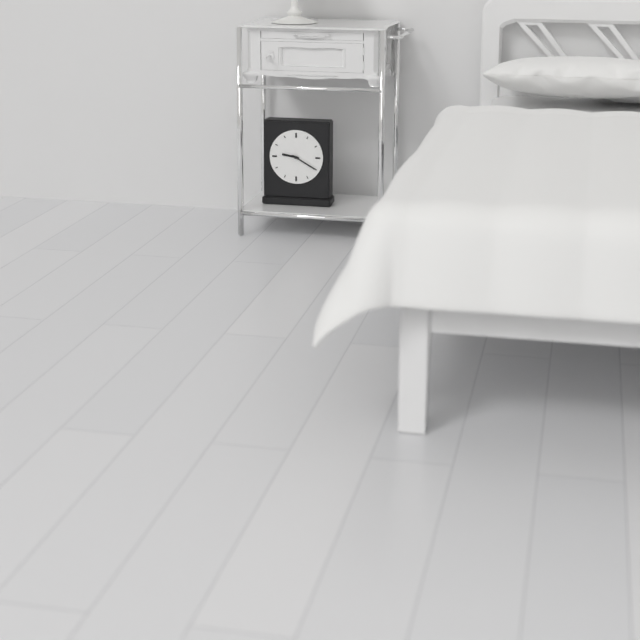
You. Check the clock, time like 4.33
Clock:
9.20
